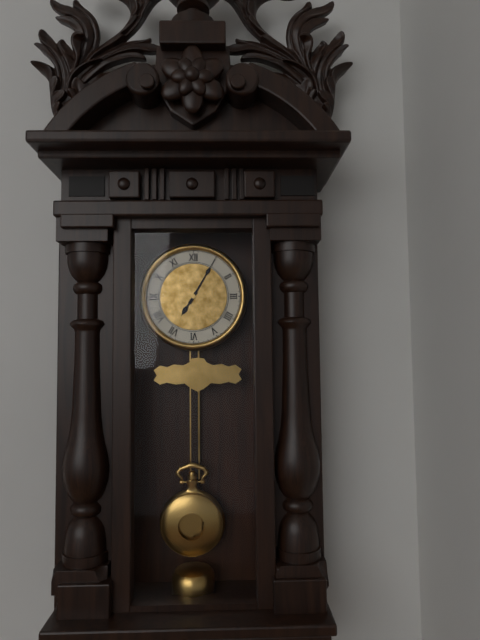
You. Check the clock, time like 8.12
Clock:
7.05
